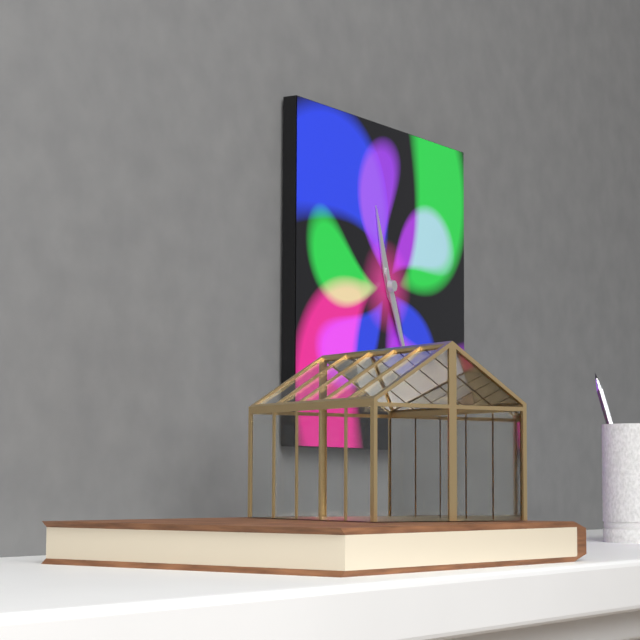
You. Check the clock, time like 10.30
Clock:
11.26
